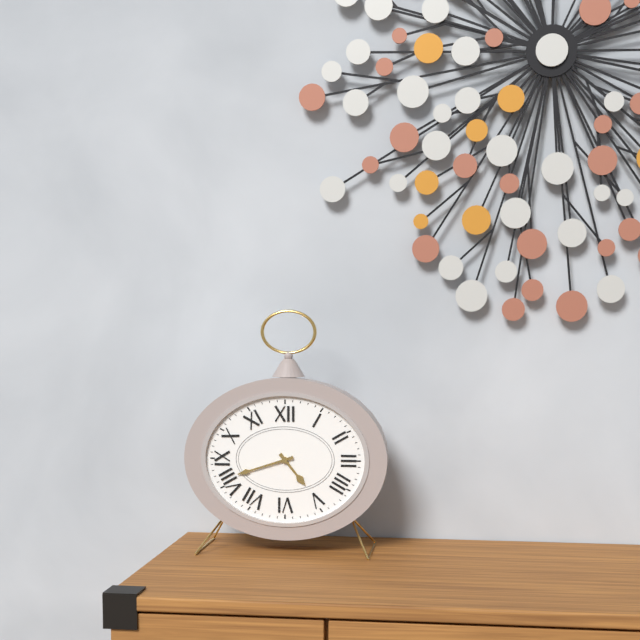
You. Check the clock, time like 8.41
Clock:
4.42
